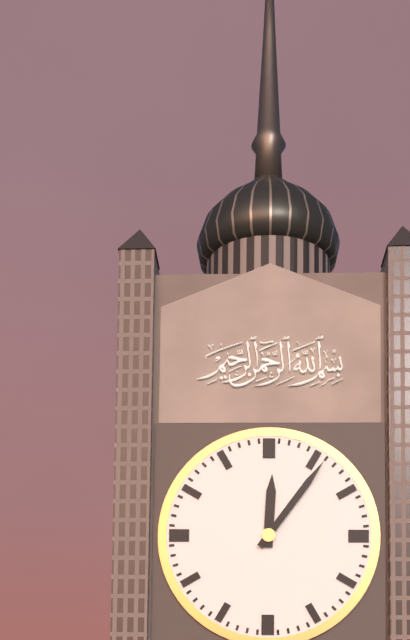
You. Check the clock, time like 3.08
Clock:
12.06
